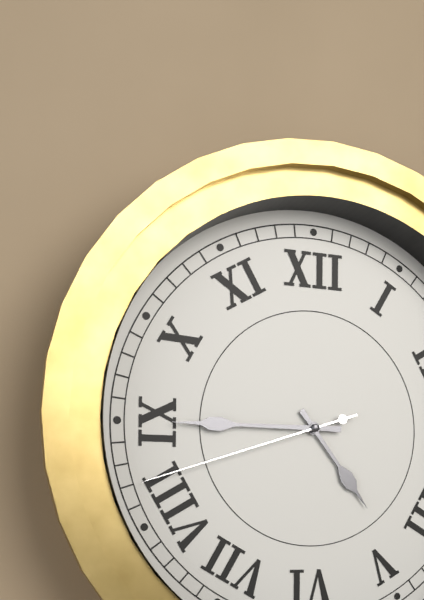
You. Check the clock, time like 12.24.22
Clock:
4.45.42
